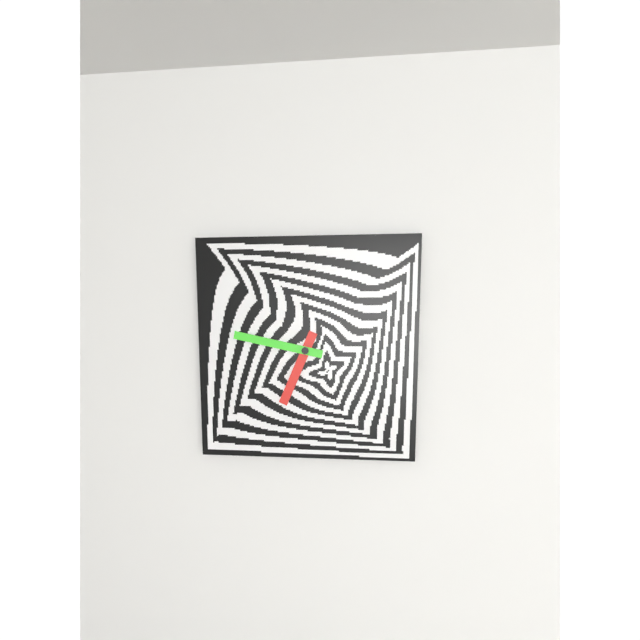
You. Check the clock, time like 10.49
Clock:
6.47
